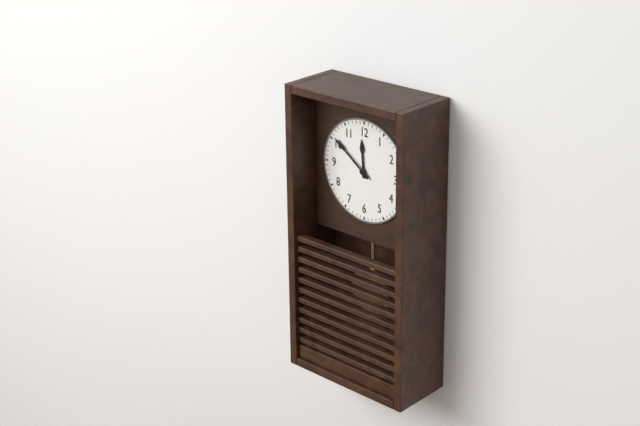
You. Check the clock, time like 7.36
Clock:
11.51
